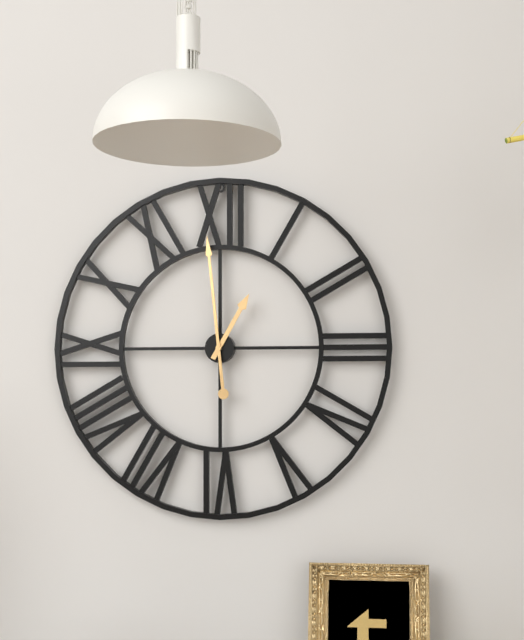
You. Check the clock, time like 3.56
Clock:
12.59
